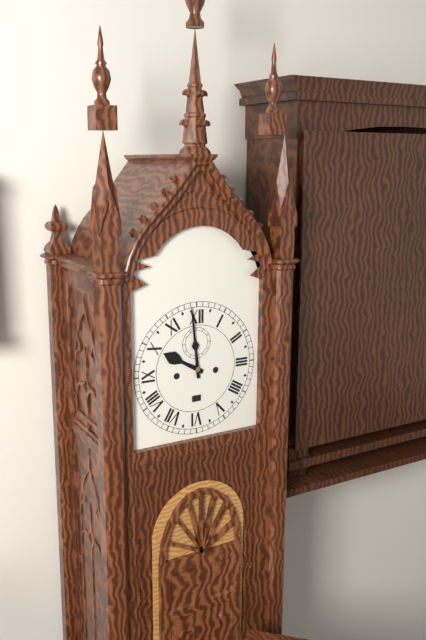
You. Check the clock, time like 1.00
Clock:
9.59
